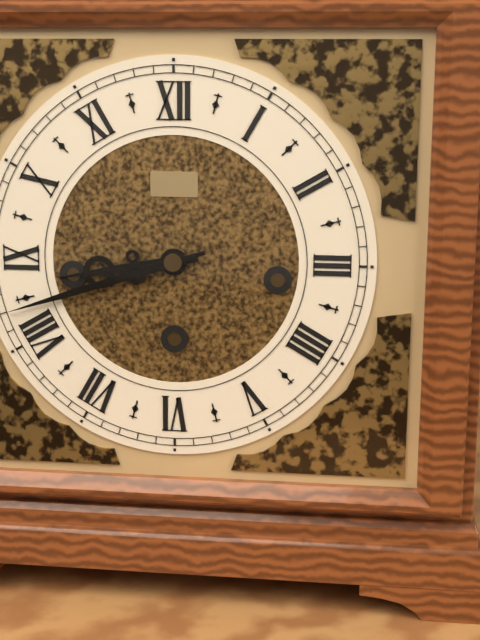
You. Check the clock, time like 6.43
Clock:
8.42
